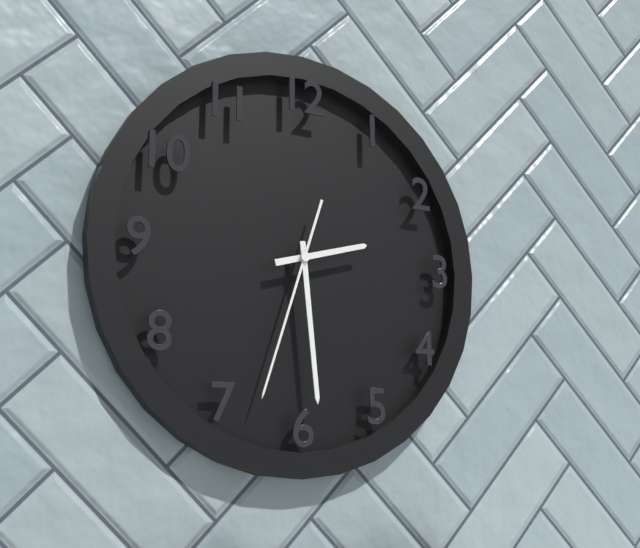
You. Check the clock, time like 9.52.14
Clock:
2.29.33
